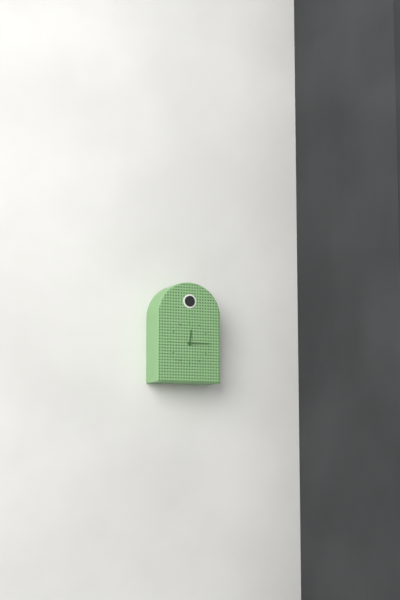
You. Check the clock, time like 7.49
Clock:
12.15
